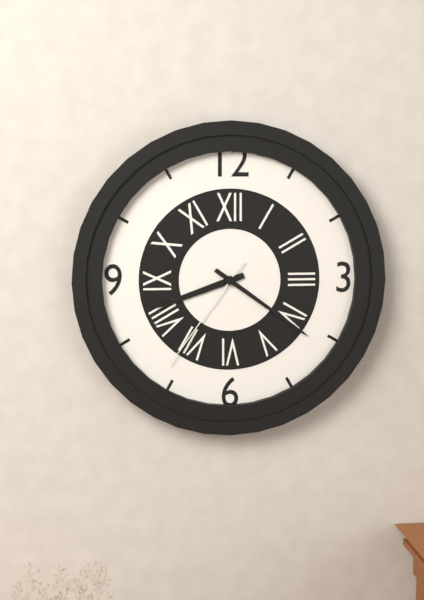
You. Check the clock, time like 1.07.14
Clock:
8.21.36
